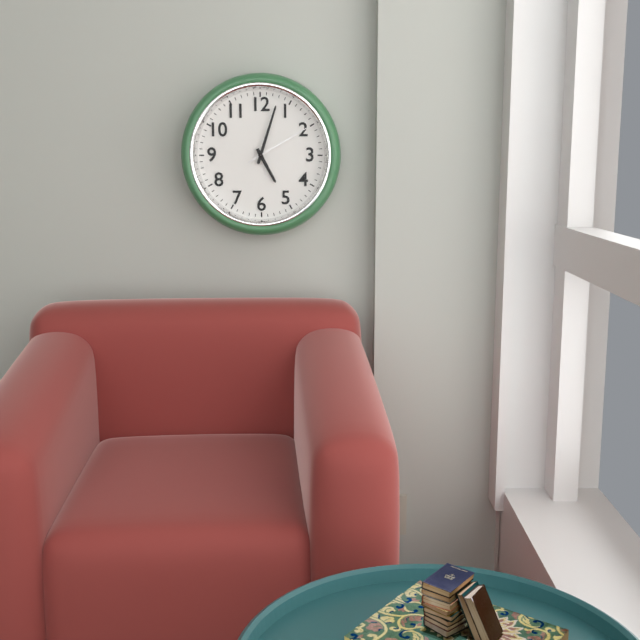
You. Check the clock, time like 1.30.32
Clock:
5.03.10
